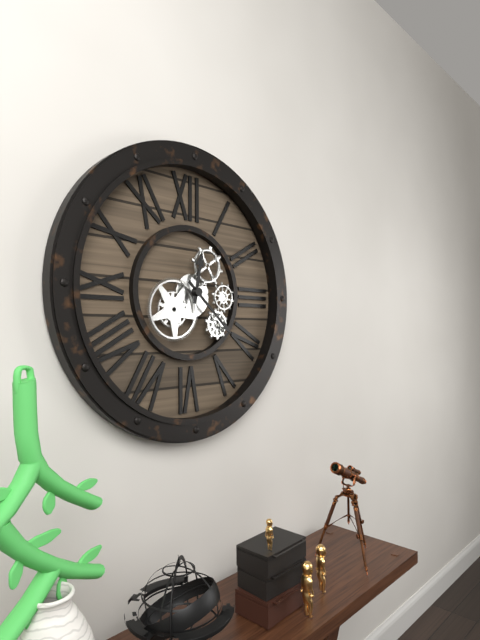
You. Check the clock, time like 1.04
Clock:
12.22
